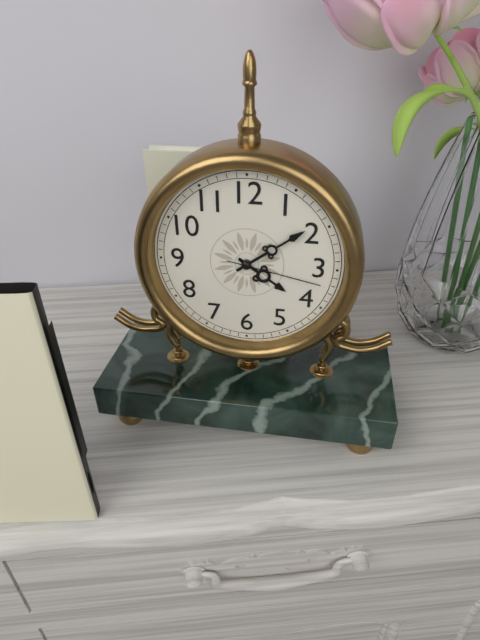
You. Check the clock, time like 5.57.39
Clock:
4.09.17
